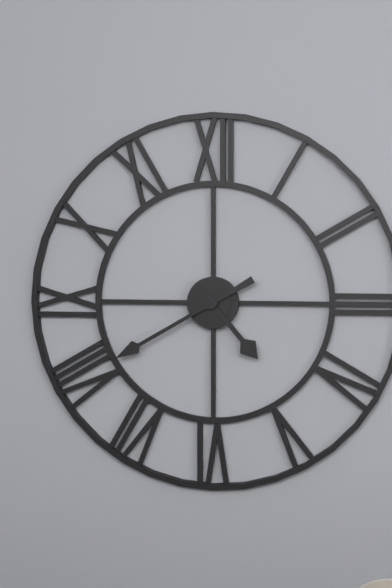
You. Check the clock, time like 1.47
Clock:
4.40
